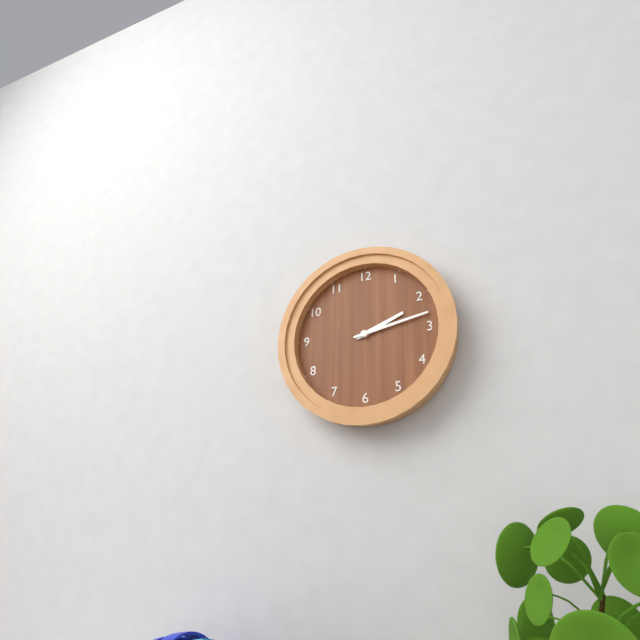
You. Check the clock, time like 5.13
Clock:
2.13
